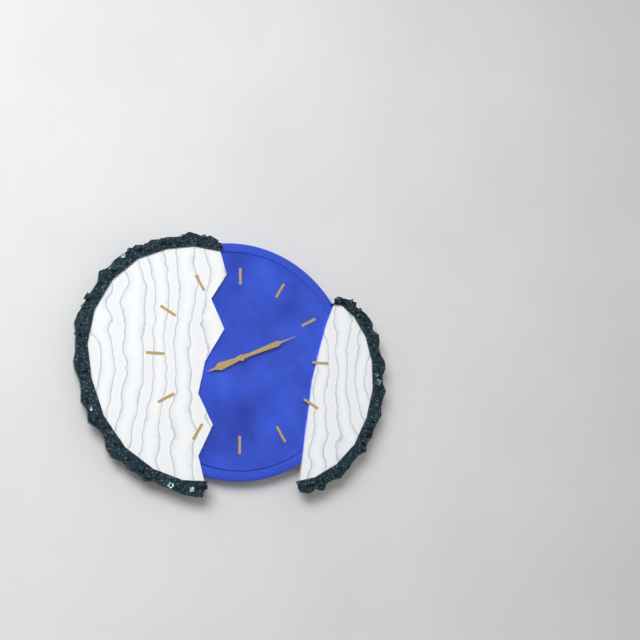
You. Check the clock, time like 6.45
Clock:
8.11
